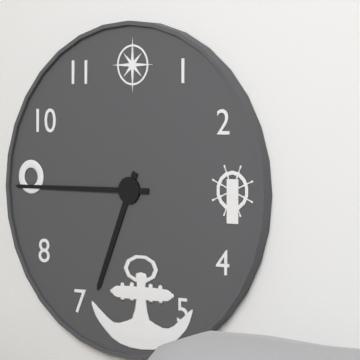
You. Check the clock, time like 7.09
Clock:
6.45
